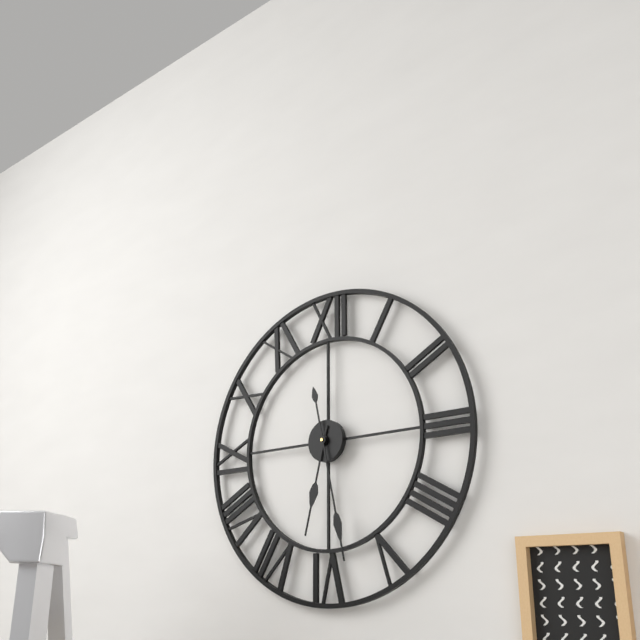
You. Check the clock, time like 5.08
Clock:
6.28
